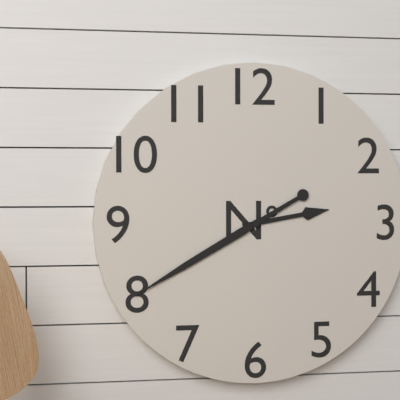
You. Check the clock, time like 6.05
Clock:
2.40
